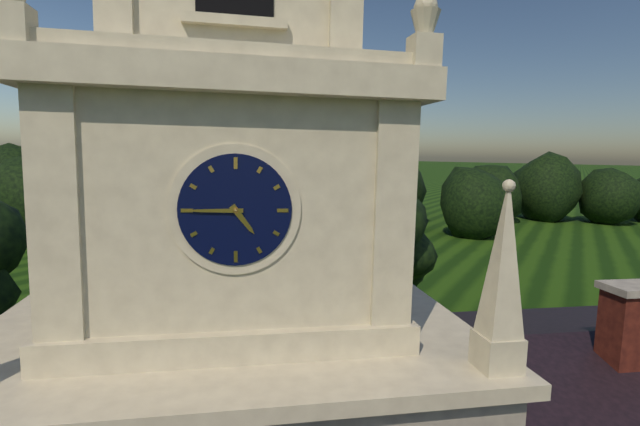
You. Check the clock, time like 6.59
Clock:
4.45
